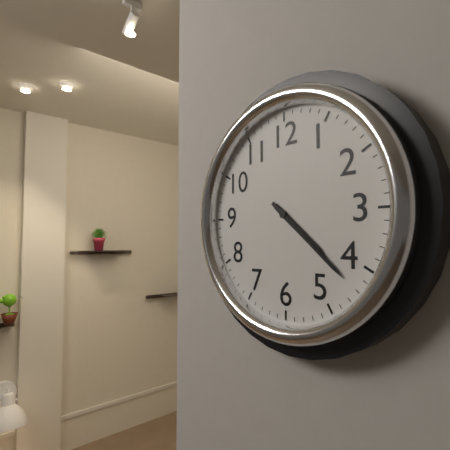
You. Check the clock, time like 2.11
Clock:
4.22
